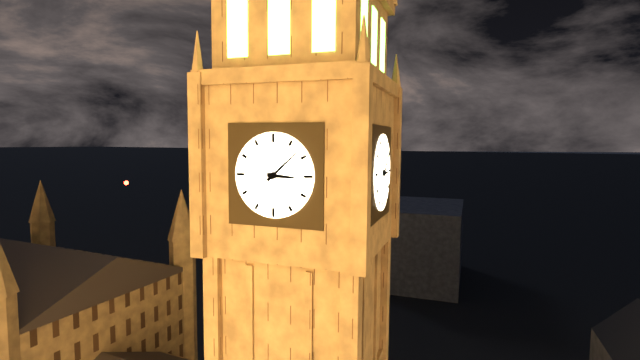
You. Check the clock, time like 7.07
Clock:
3.08
